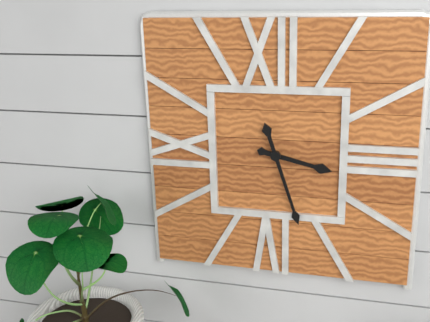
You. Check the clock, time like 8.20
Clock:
3.27
